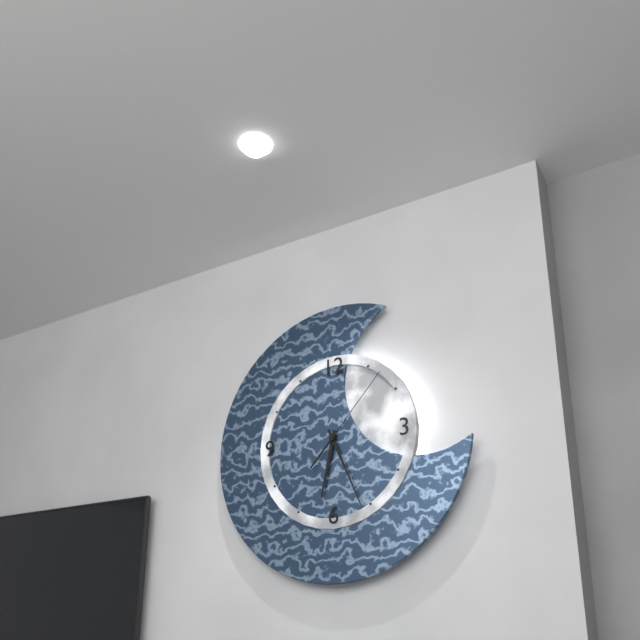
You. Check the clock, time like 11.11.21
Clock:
6.26.07
